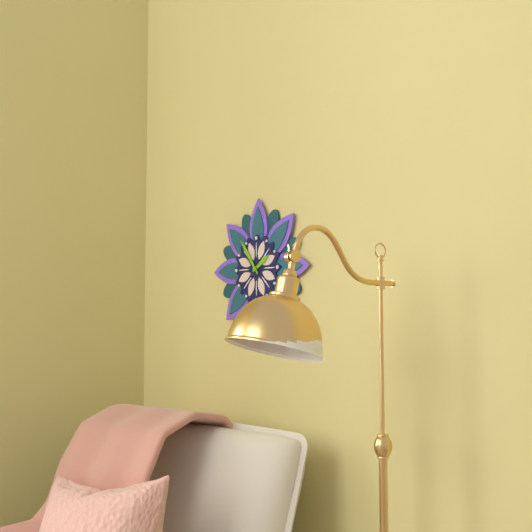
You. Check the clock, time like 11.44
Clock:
1.54
